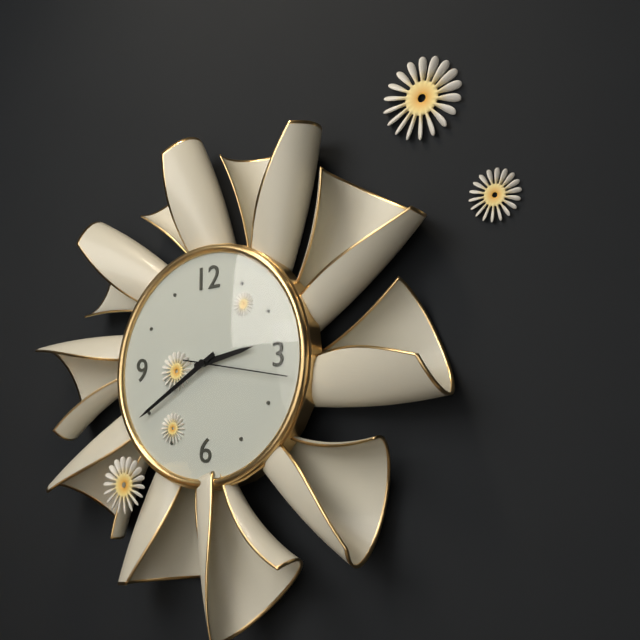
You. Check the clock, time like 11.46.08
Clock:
2.40.17
